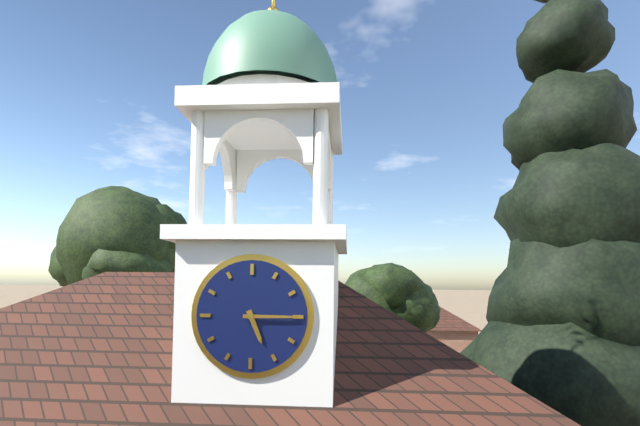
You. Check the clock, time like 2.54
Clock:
5.15
